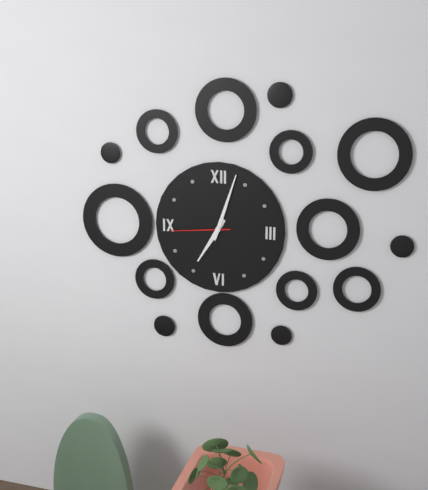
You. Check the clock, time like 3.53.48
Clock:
7.03.44
